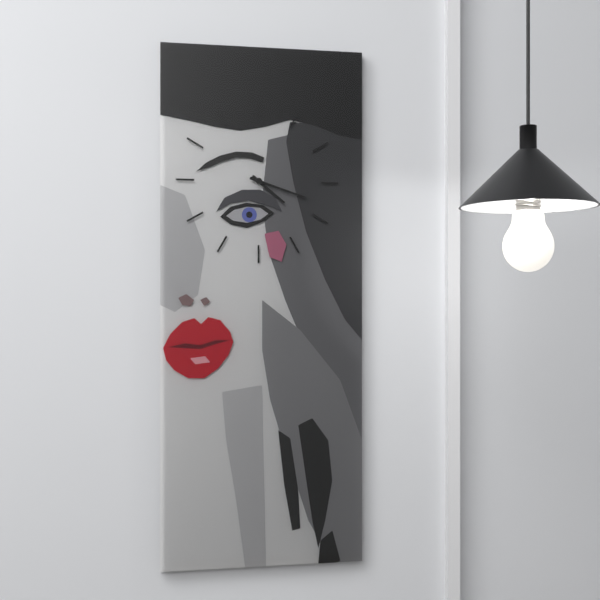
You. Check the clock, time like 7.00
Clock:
4.18
